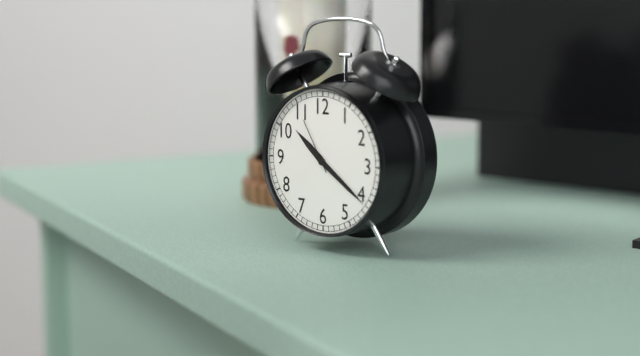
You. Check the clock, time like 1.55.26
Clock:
10.21.55
